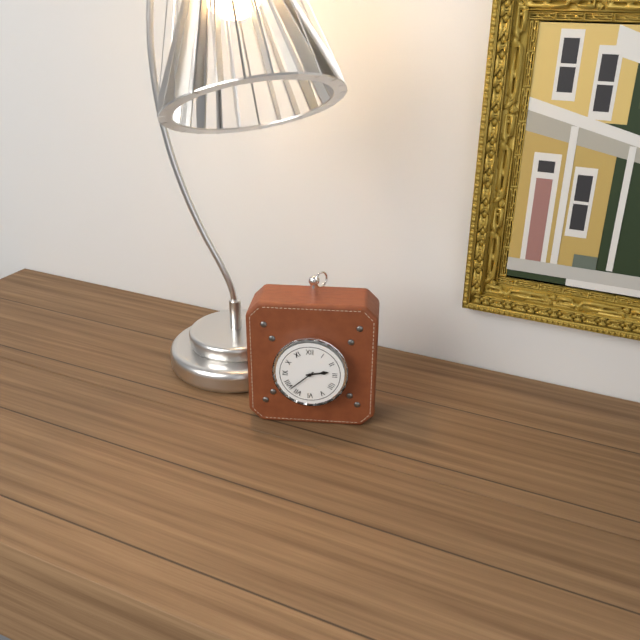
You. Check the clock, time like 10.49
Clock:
2.38
